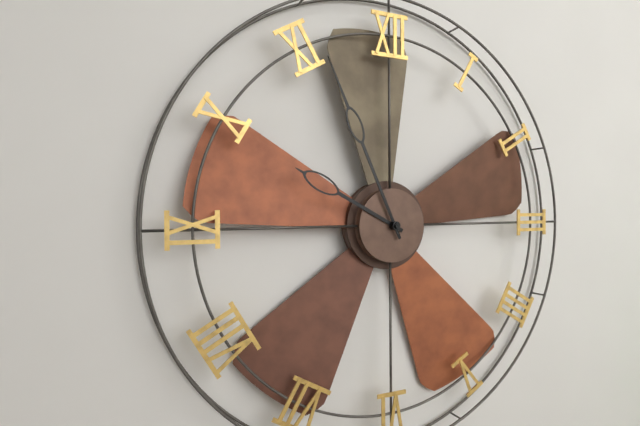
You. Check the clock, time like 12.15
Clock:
9.56
